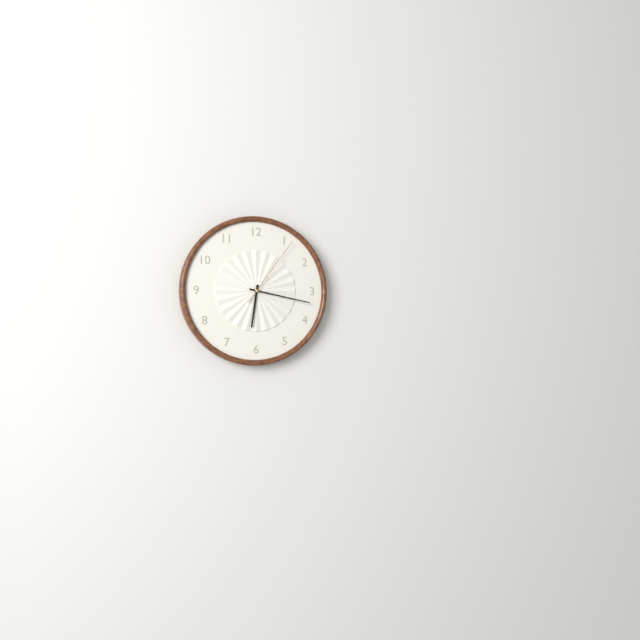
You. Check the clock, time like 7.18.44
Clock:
6.17.06
